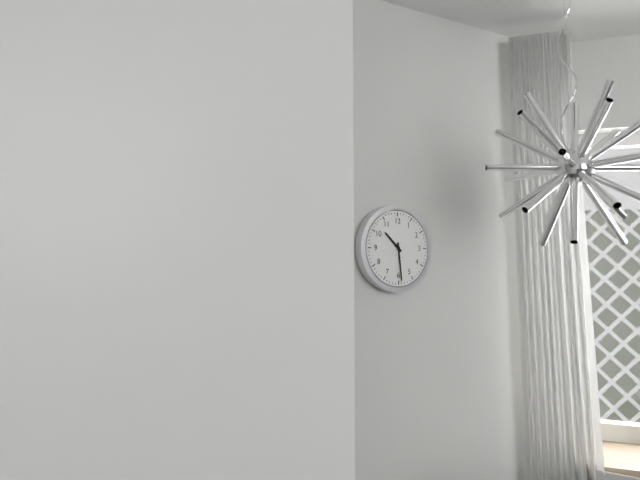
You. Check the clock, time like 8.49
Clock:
10.29
